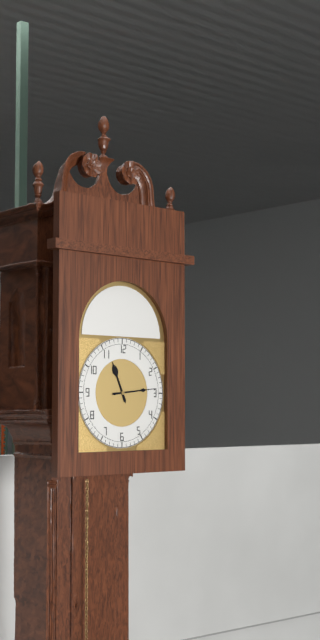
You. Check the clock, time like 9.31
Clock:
11.14
